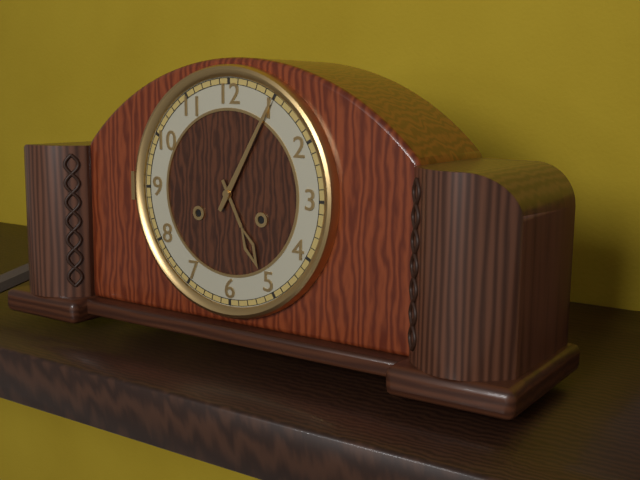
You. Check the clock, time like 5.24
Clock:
5.05
